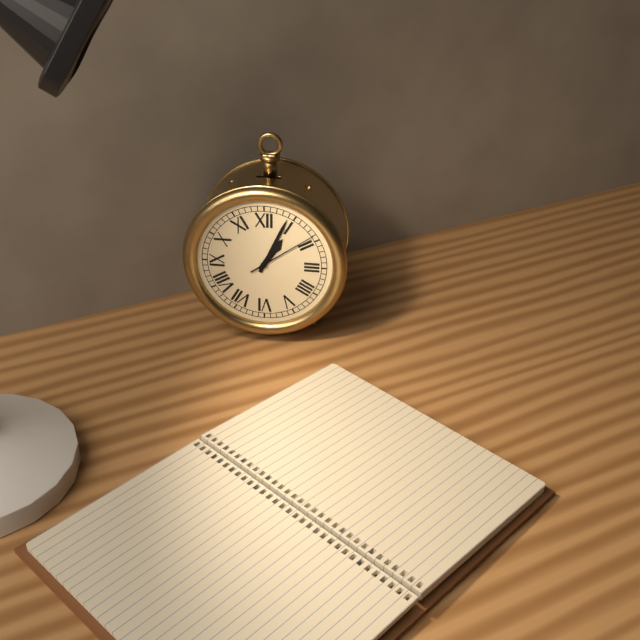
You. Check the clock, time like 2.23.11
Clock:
1.04.09
